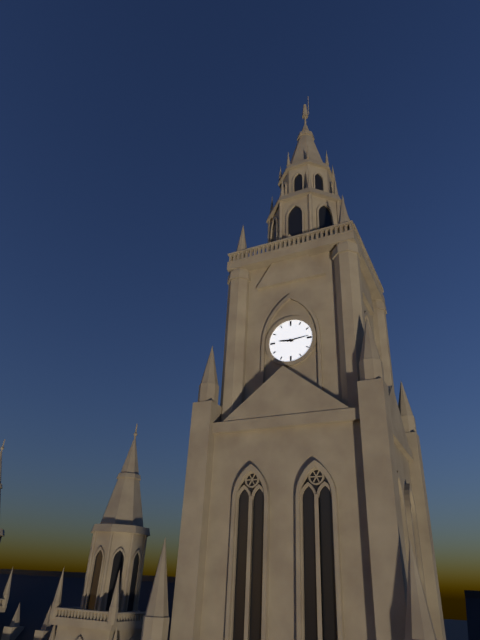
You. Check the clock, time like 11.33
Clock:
9.14
